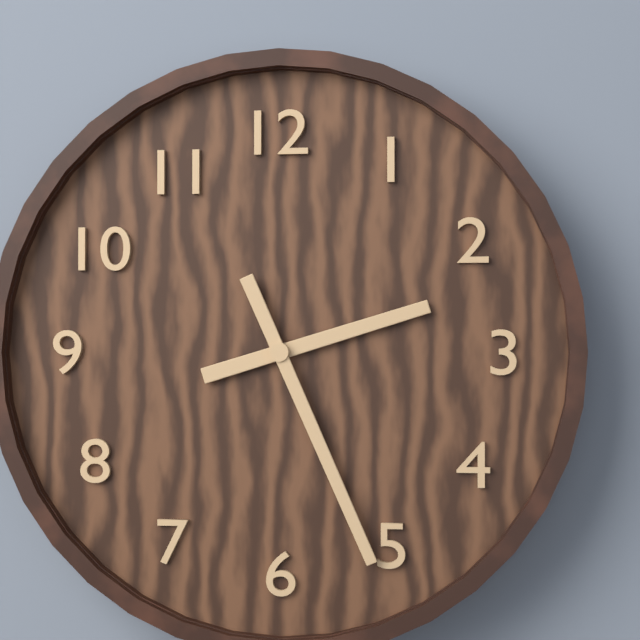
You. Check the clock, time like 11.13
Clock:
2.26
